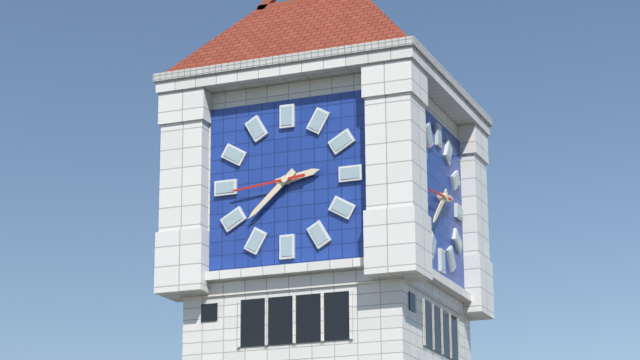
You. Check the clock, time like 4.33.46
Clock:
2.38.44
